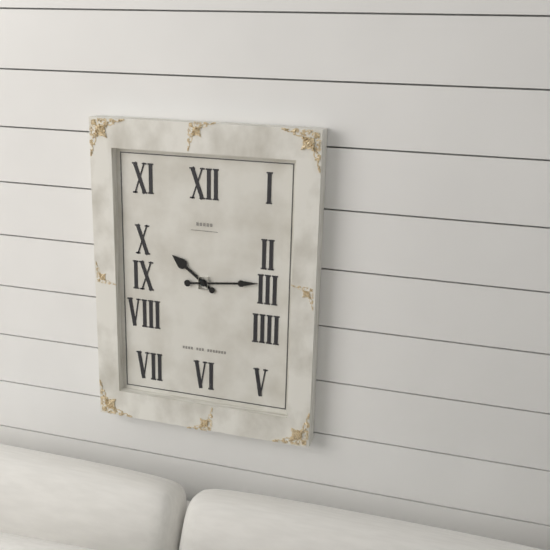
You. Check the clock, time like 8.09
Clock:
10.14
